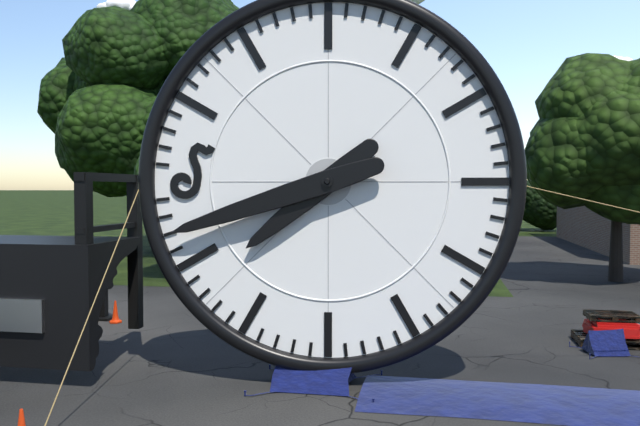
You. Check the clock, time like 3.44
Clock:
7.42
